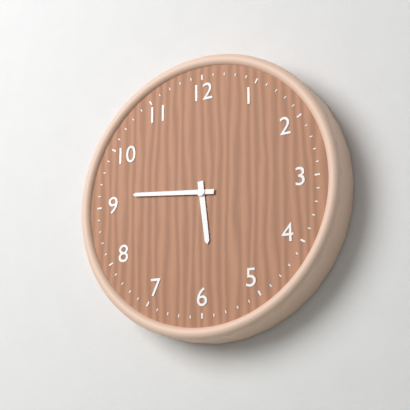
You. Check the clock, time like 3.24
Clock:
5.46
